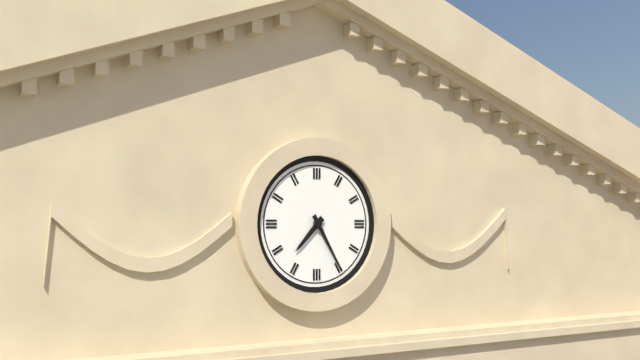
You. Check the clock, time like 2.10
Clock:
7.25
